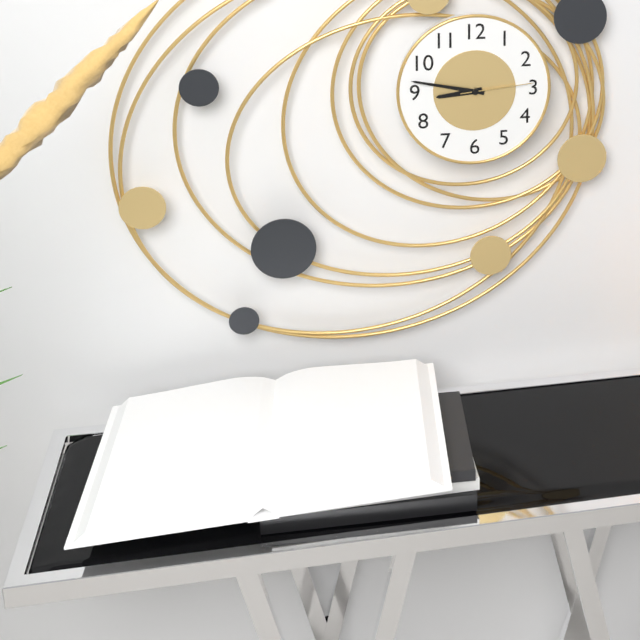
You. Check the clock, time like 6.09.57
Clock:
8.47.14
